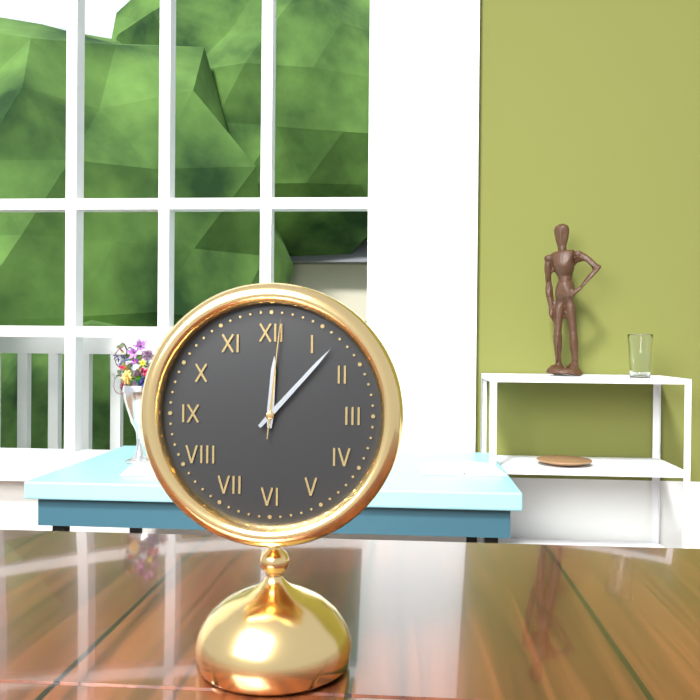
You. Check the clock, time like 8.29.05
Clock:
12.07.01
